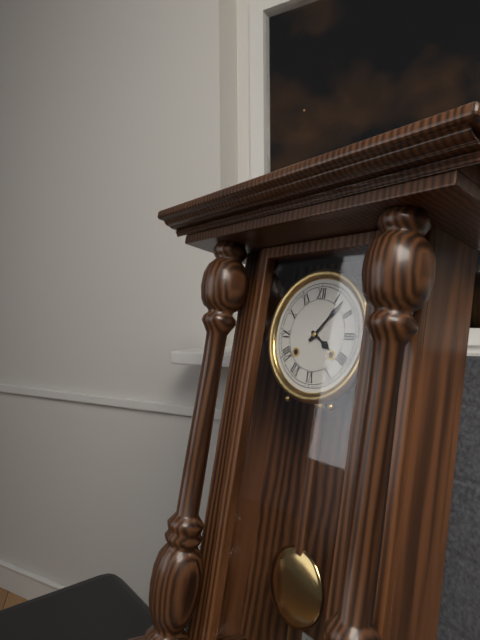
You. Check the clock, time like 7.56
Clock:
4.07
